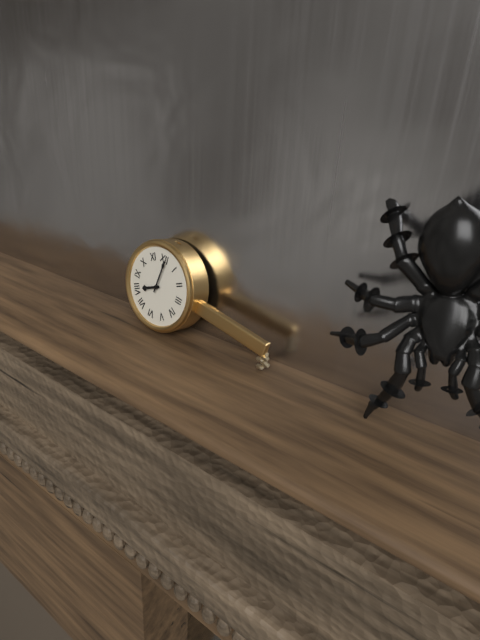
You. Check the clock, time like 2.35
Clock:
8.01
